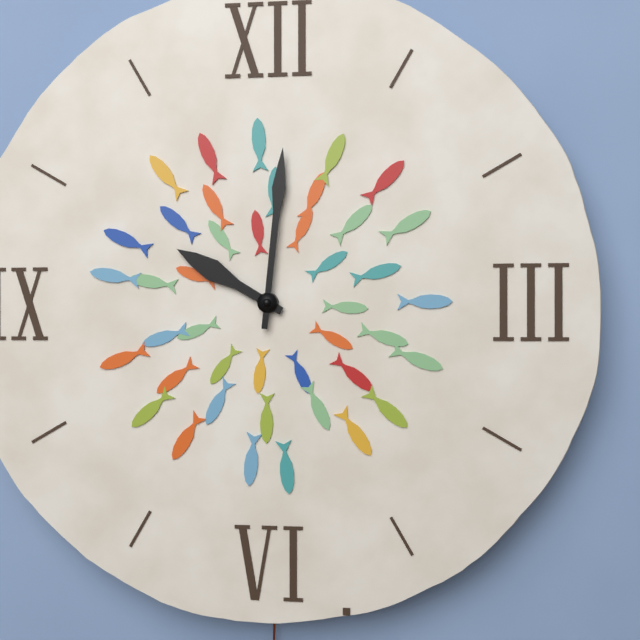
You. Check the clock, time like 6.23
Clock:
10.01
